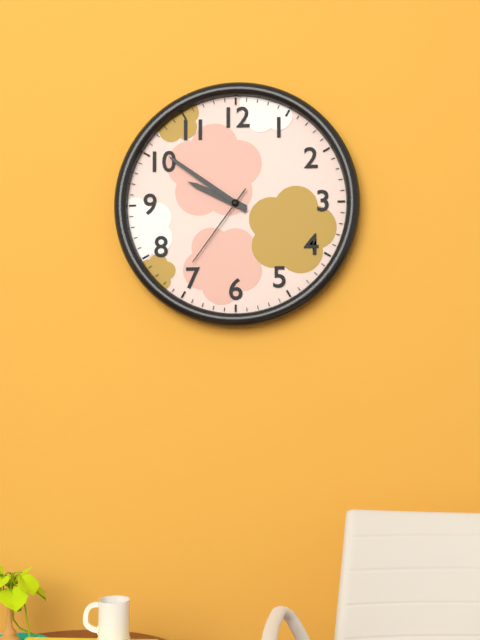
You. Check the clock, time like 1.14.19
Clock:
9.51.36
